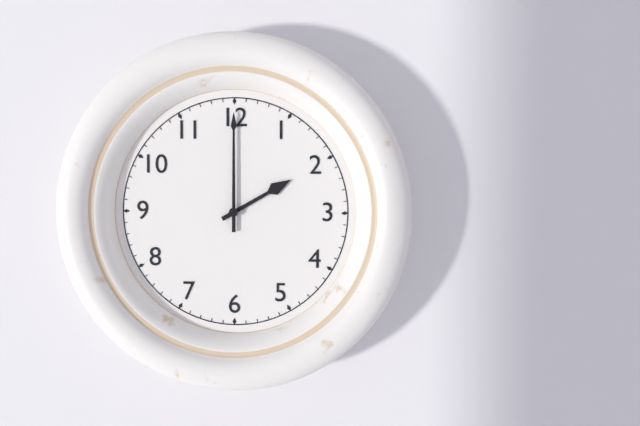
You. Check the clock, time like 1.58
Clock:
2.00
